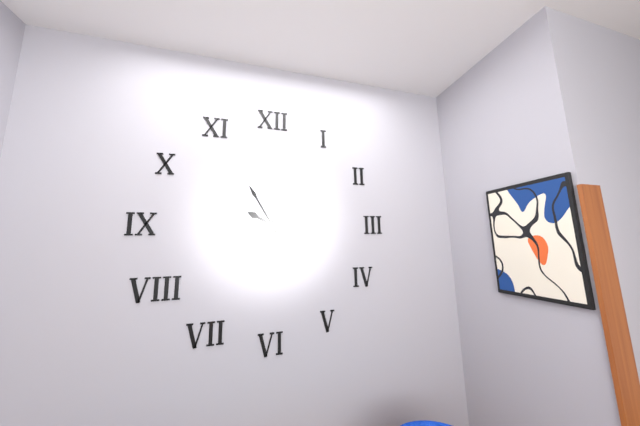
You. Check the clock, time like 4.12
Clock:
9.55
